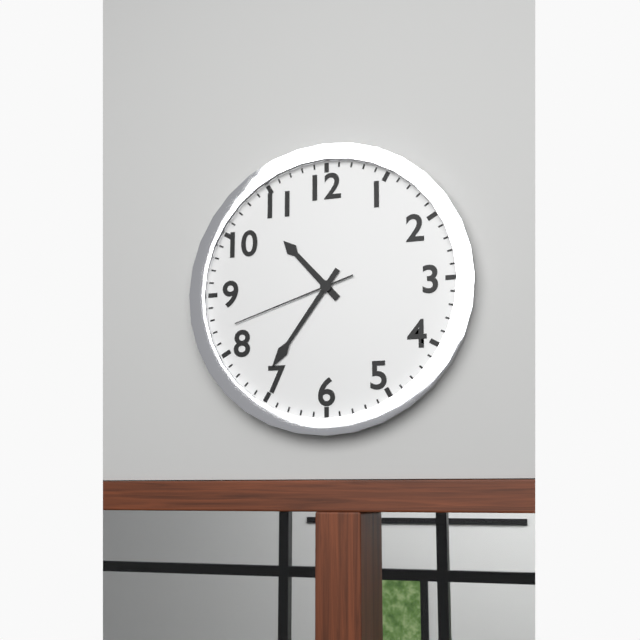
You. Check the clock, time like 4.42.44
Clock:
10.36.42
